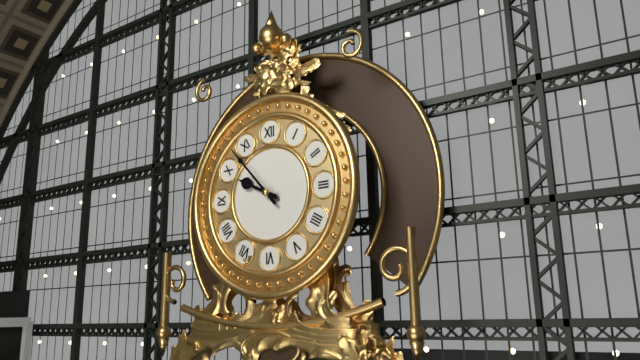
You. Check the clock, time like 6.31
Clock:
9.53
